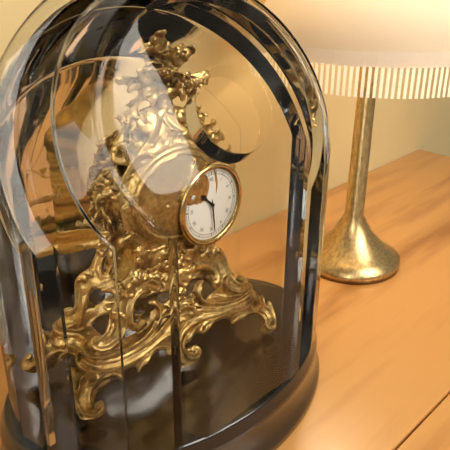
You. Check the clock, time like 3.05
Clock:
10.29
